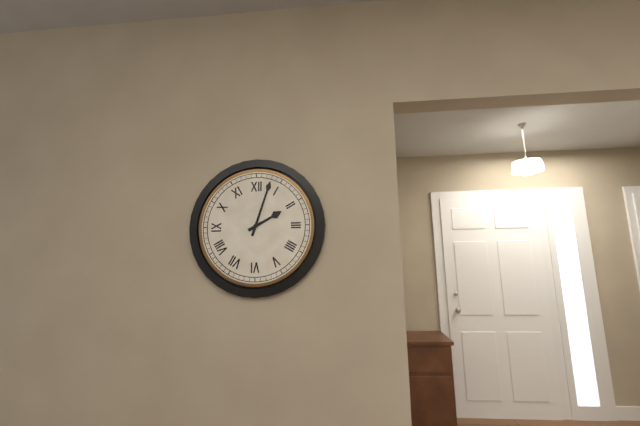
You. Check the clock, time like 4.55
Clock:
2.03
